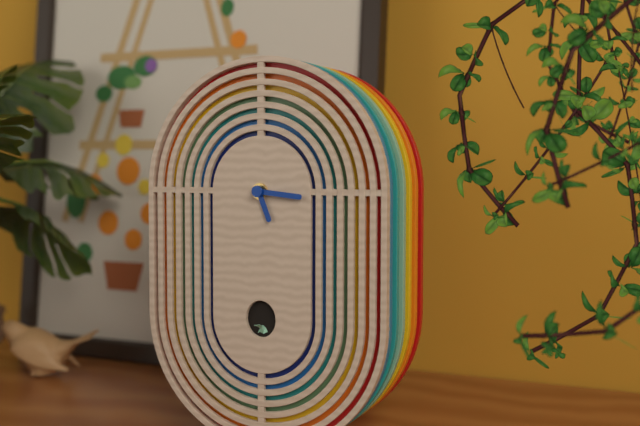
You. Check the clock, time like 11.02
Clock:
5.16
